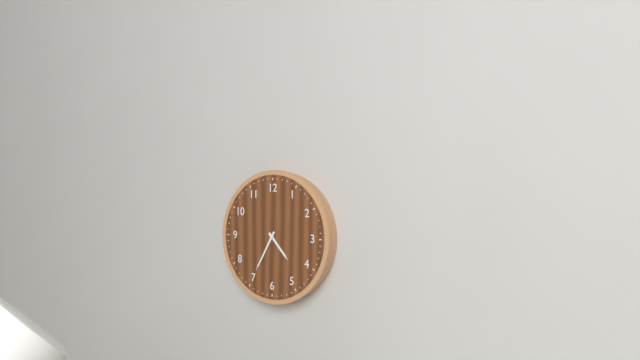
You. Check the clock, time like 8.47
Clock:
4.35
